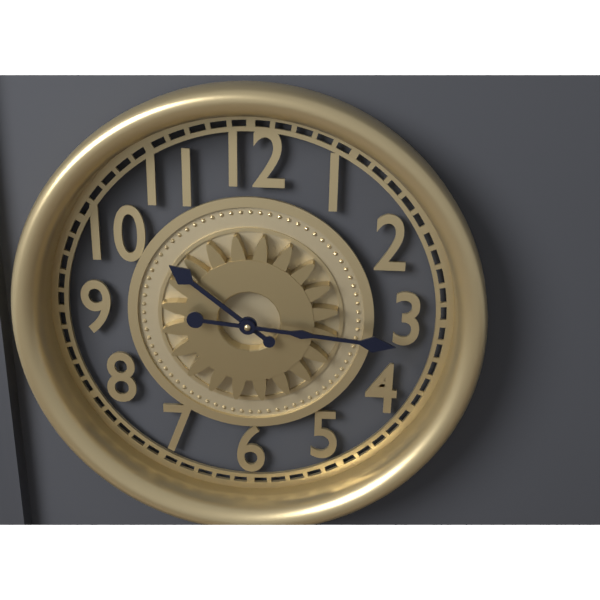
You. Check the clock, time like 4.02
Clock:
10.16
